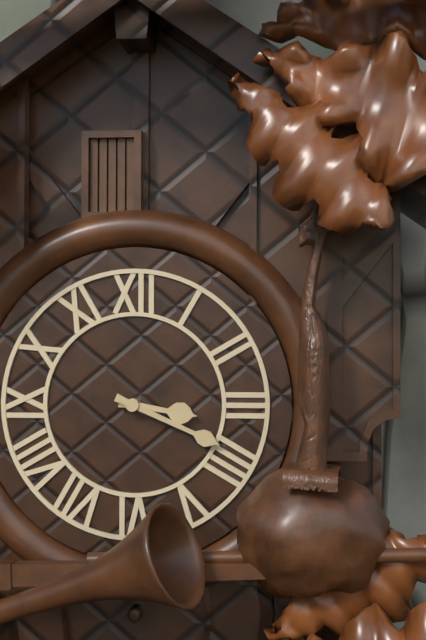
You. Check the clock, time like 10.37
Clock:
3.19
